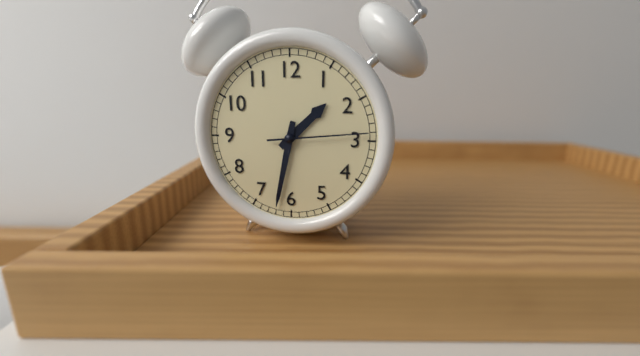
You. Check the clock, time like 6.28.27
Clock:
1.32.14
